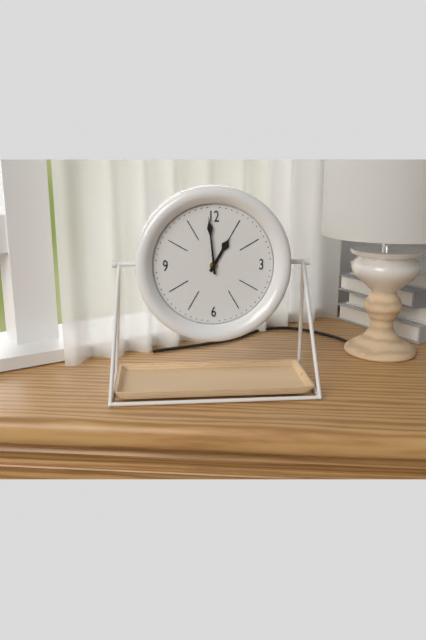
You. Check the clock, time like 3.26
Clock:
12.59
